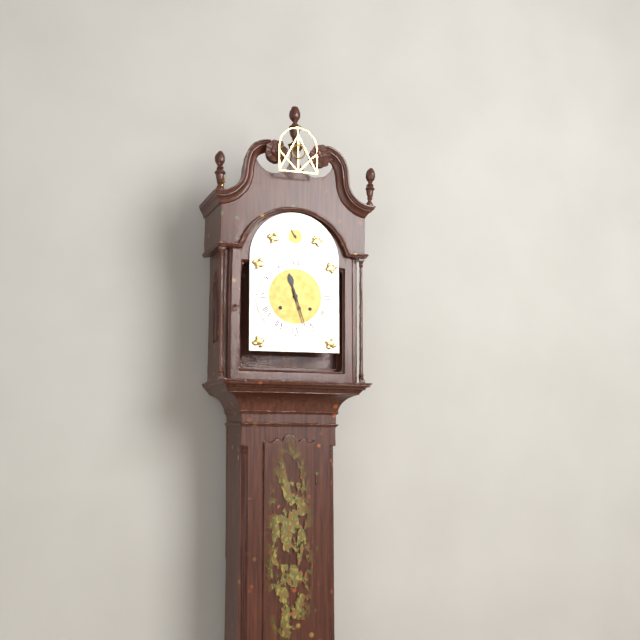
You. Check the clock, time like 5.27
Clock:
11.27
